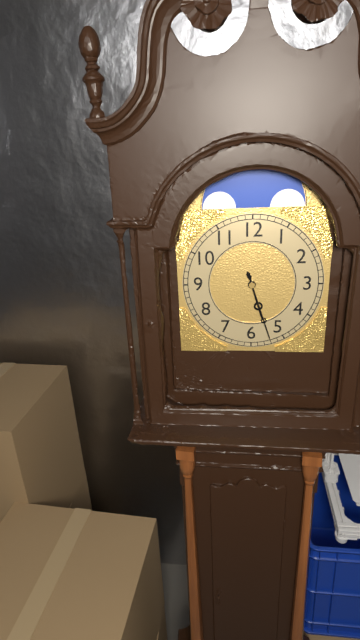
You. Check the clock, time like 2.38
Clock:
5.27
